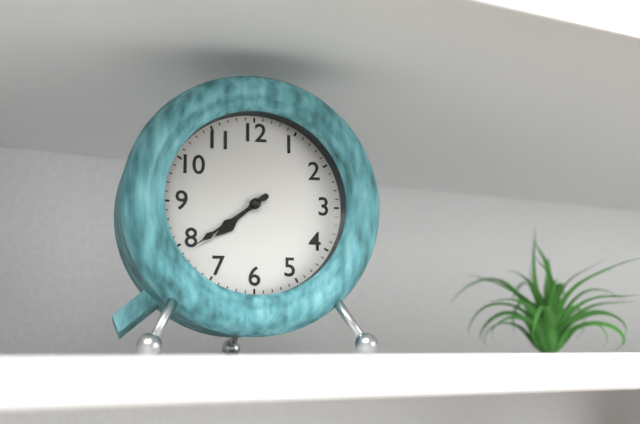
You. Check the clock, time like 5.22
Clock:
7.39
